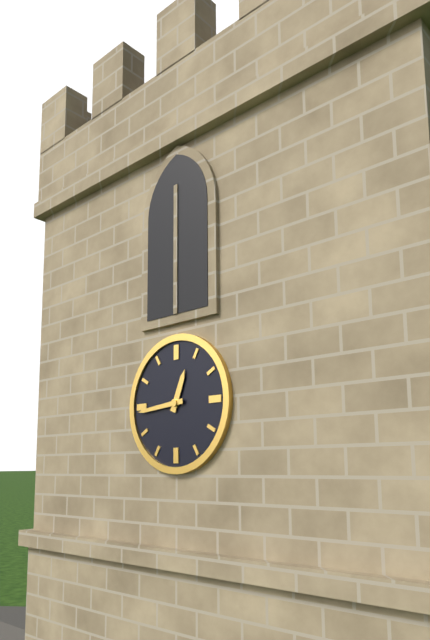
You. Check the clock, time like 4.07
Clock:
12.44
